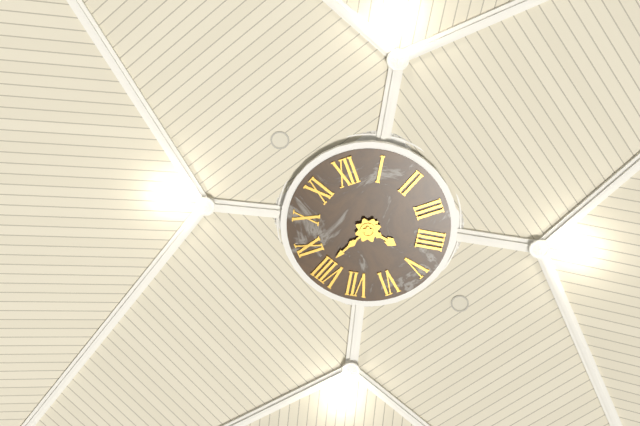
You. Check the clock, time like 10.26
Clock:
4.41
